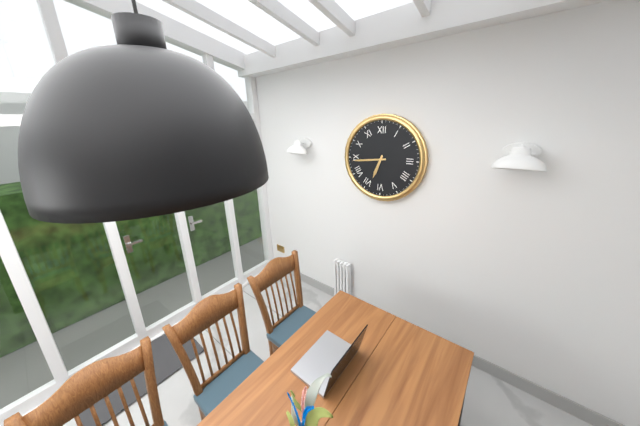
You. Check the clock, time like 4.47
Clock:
6.44
